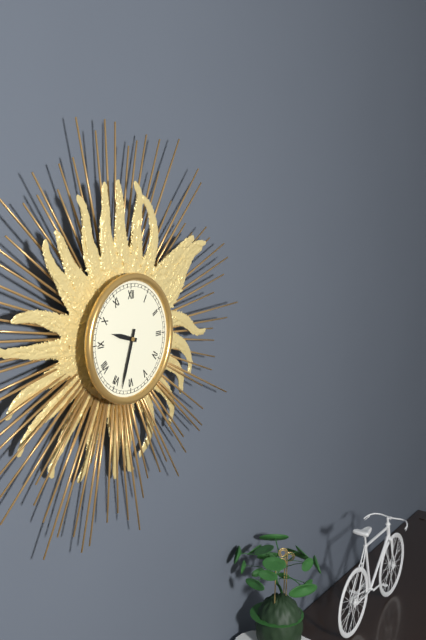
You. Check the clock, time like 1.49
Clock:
9.33
